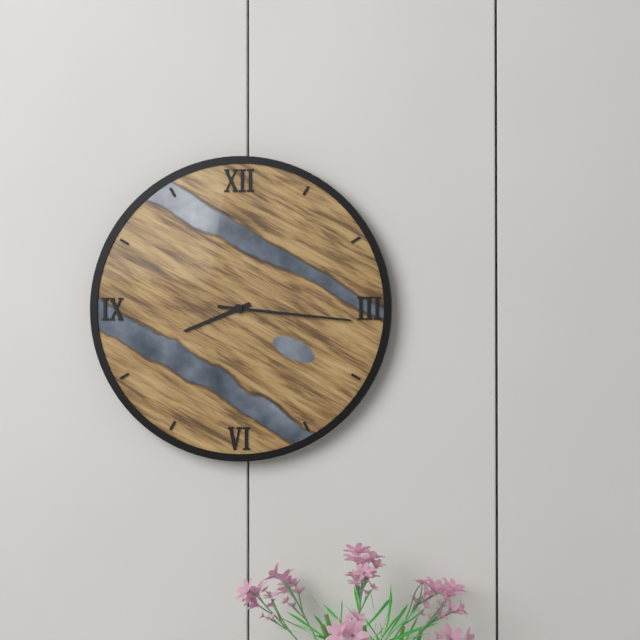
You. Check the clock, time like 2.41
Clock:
8.16
